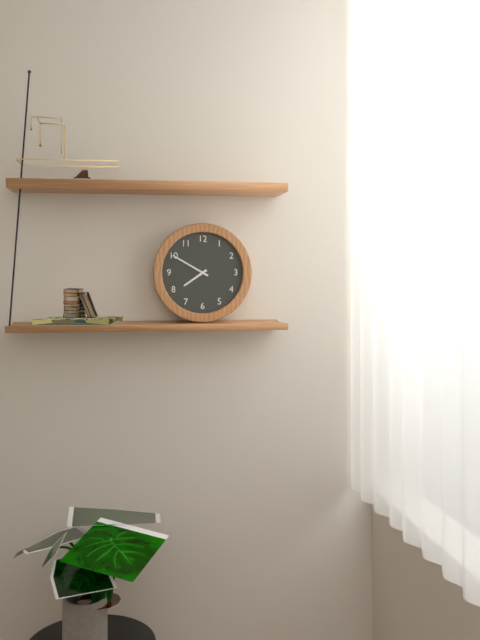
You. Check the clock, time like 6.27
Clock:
7.50
